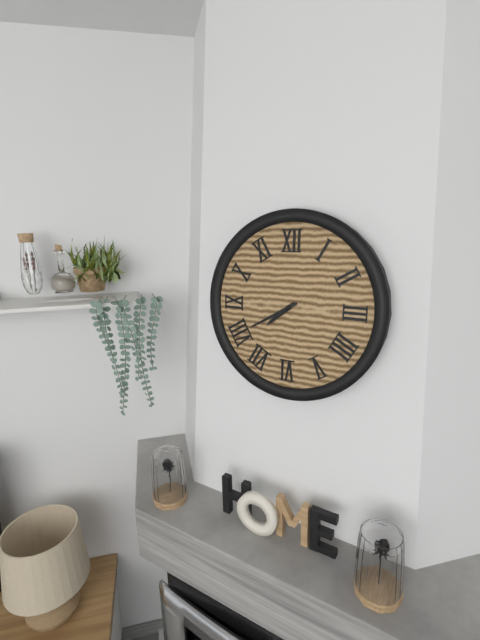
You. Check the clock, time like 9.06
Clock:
7.40
